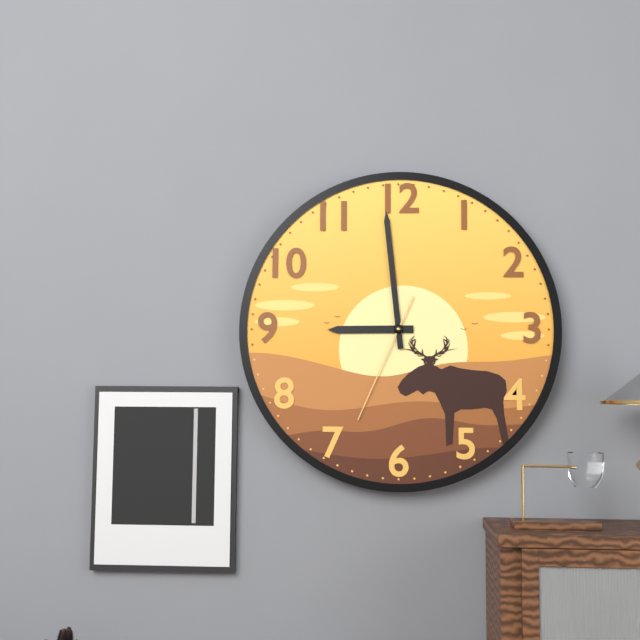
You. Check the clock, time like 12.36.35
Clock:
8.59.34
